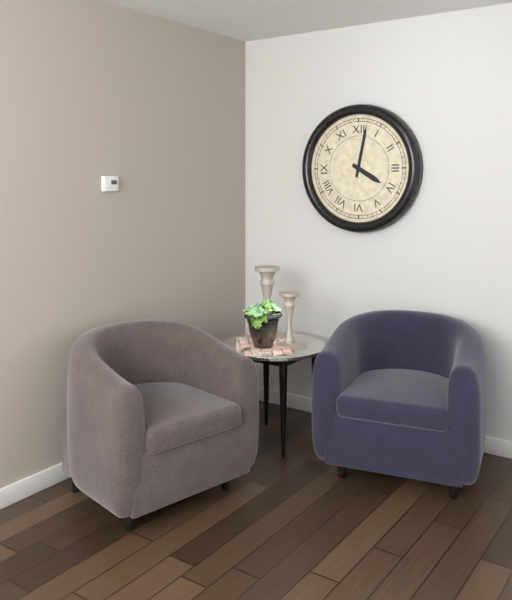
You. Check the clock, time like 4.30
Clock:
4.02
